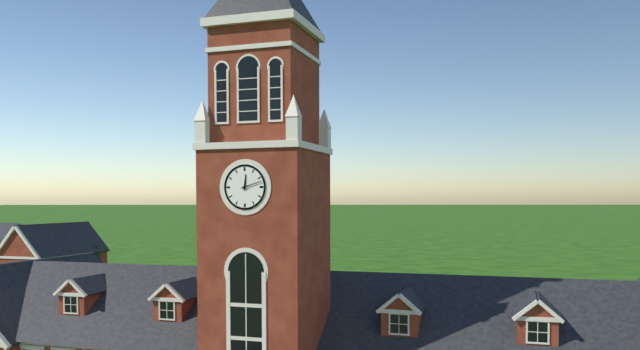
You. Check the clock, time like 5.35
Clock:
12.12
